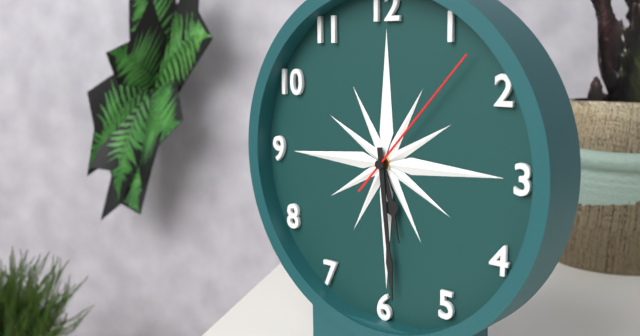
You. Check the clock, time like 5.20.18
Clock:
5.29.07
